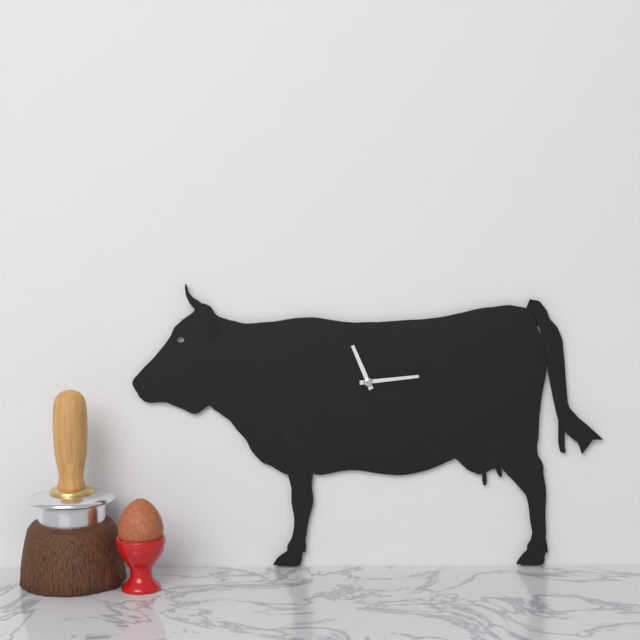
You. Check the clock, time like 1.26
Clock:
11.14
